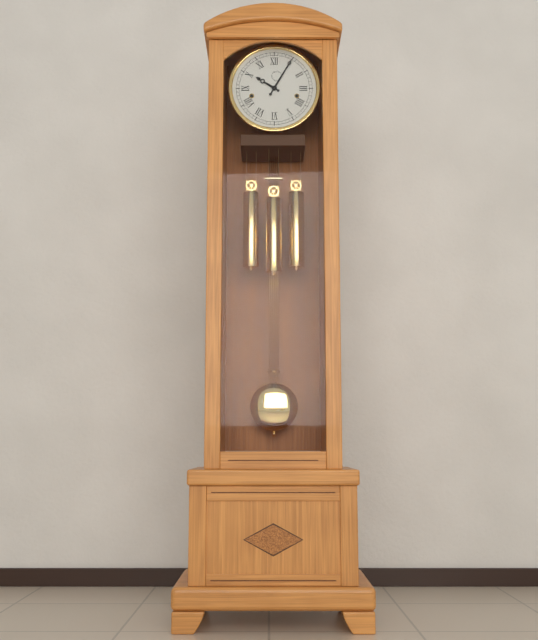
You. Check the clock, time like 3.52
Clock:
10.05
